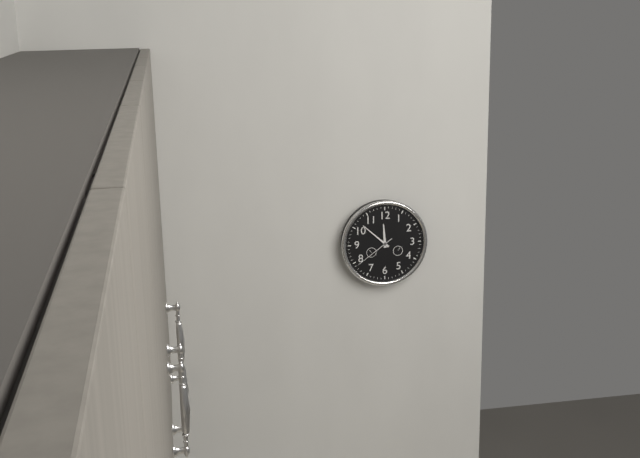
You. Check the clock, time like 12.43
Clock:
11.52
